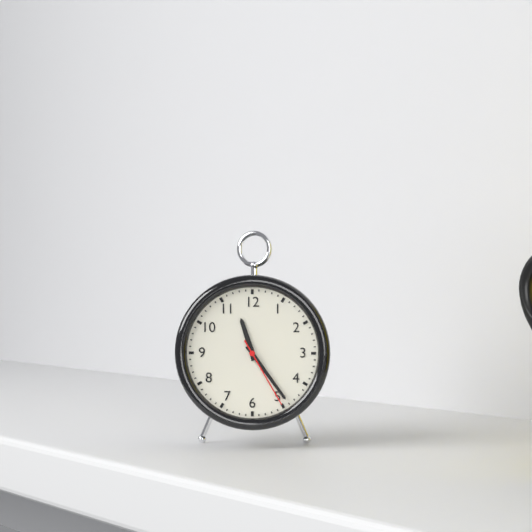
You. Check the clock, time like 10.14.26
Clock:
11.24.25
